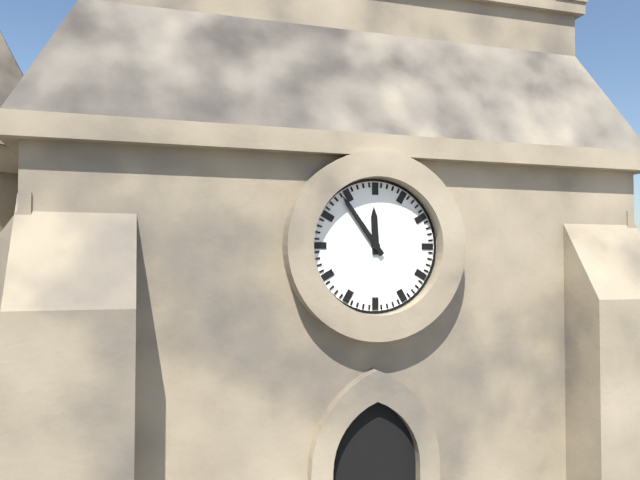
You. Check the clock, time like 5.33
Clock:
11.54
